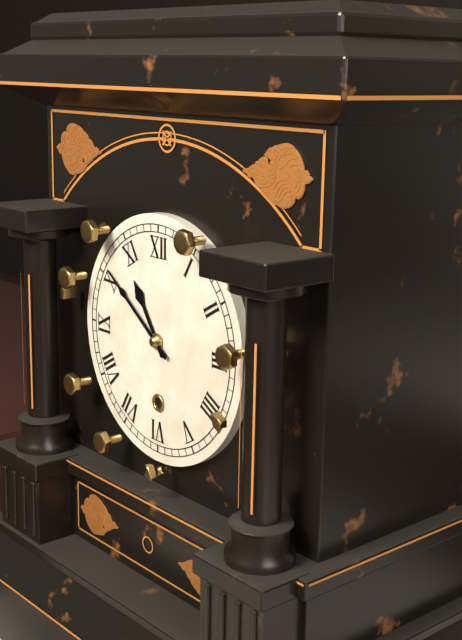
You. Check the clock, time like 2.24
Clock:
10.51
